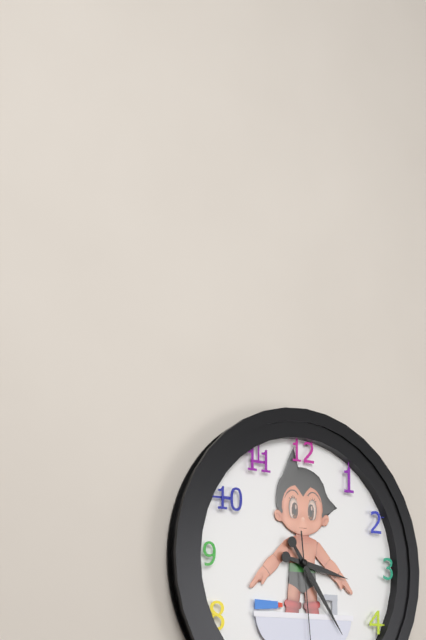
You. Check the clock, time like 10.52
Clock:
3.24
